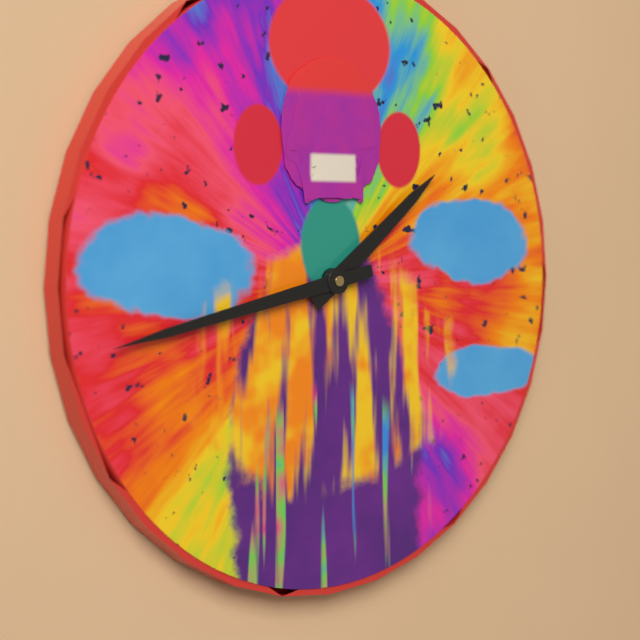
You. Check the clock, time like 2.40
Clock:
1.43
